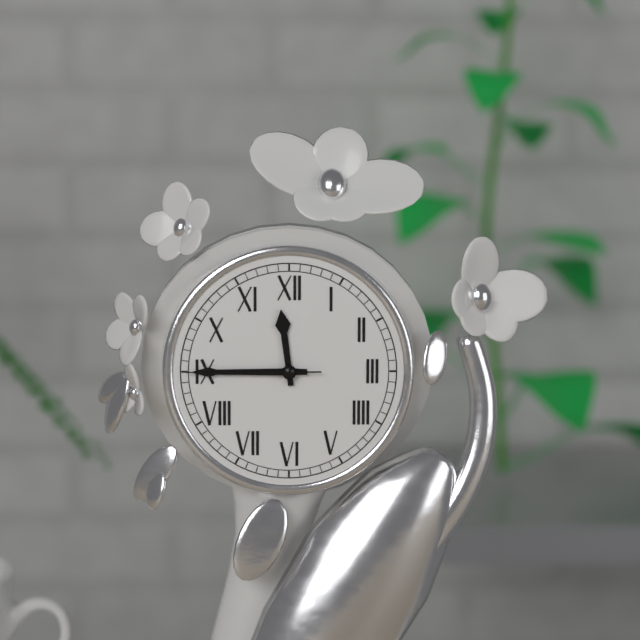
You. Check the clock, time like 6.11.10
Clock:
11.45.45
